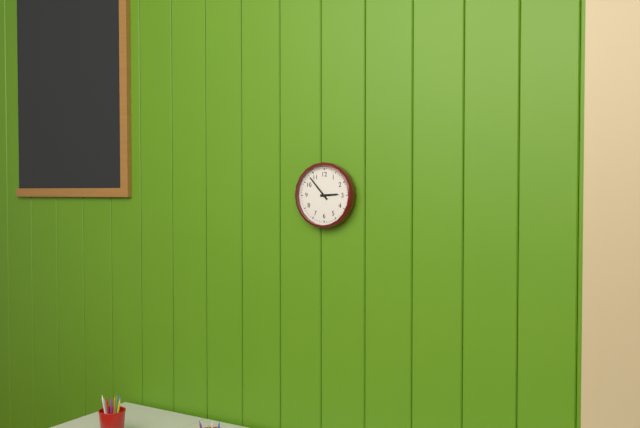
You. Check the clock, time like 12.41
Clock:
2.53
